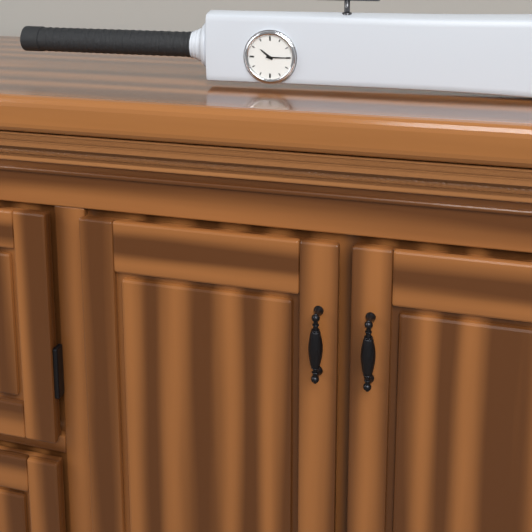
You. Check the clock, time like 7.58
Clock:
10.15
